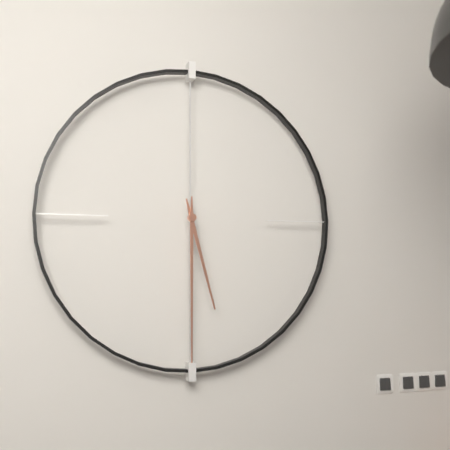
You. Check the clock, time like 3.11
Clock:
5.30
